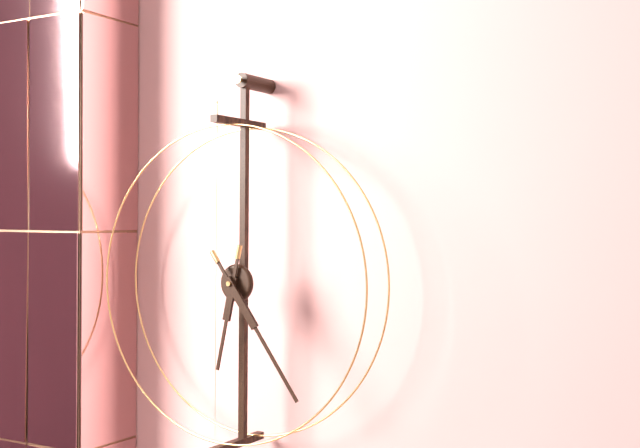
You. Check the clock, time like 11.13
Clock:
6.24
